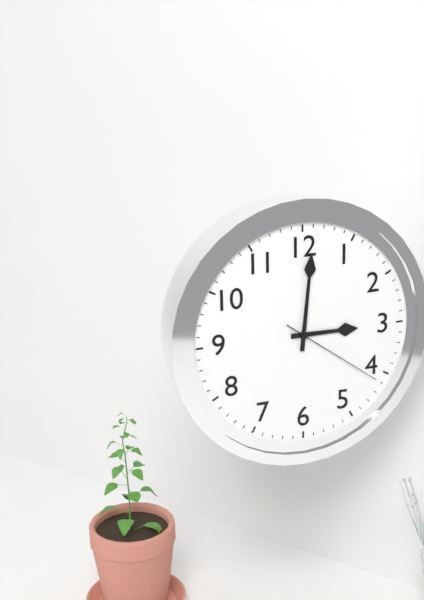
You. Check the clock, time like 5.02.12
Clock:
3.01.21
